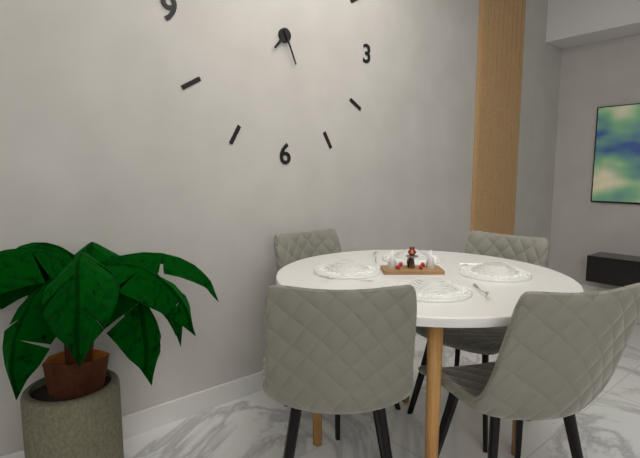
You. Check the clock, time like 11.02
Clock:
7.26
